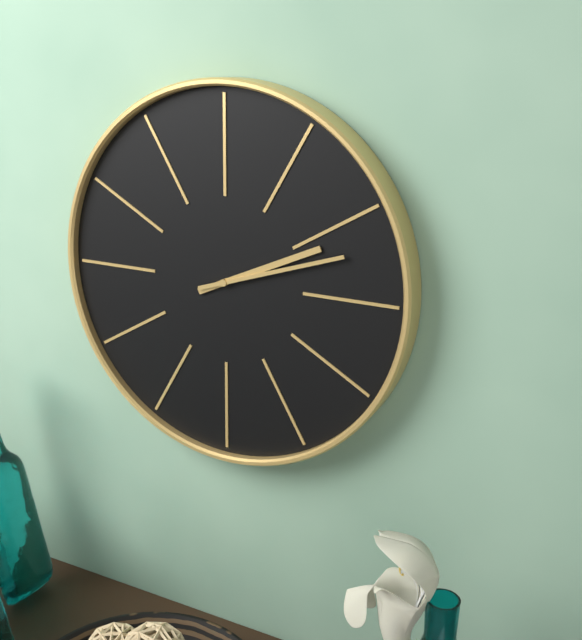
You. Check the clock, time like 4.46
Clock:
2.12
